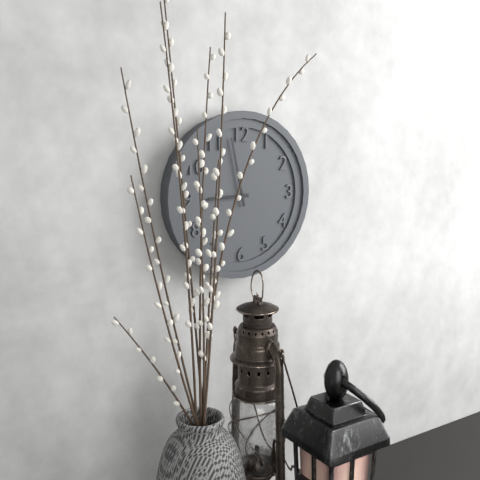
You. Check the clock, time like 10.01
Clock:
8.58
